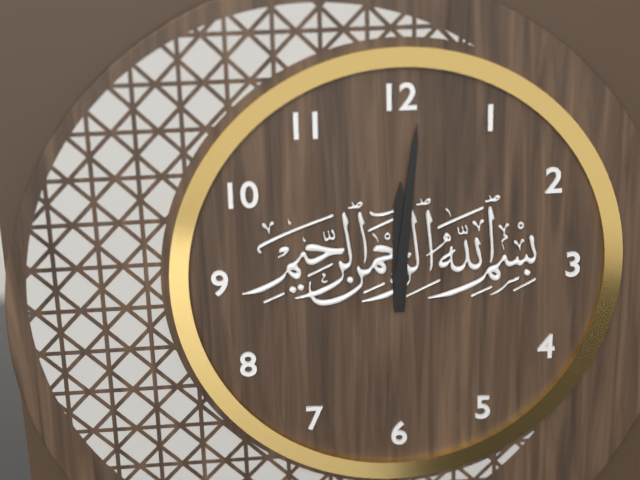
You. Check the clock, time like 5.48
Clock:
12.01
